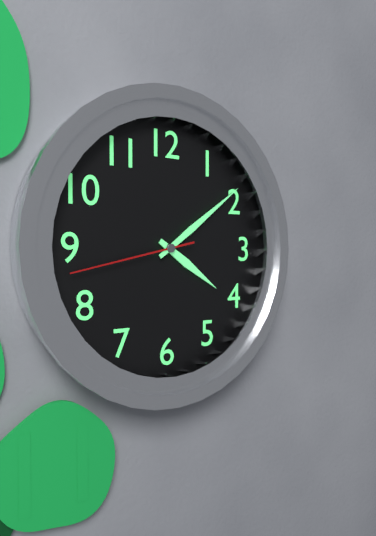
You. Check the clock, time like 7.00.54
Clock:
4.09.43
